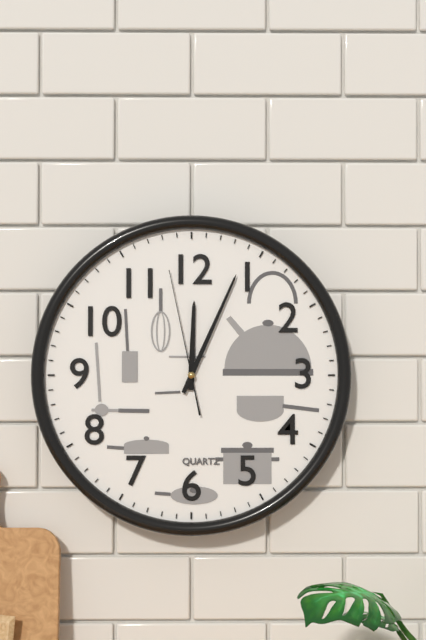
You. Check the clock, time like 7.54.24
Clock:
12.04.58
